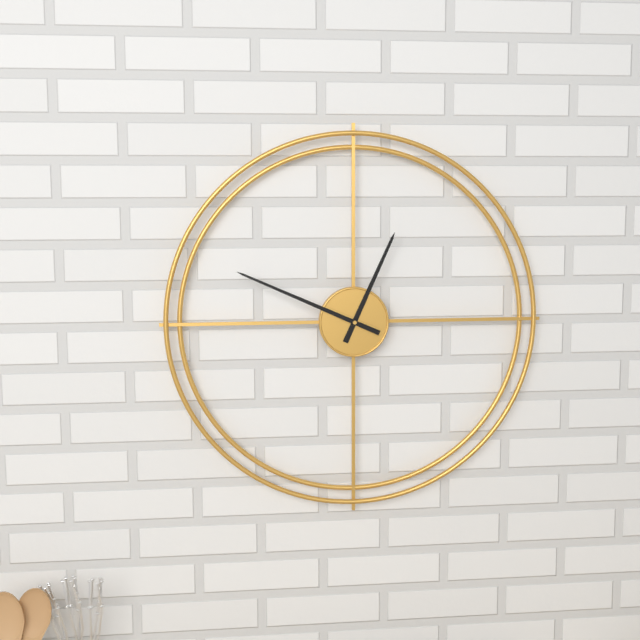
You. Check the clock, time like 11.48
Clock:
12.49
